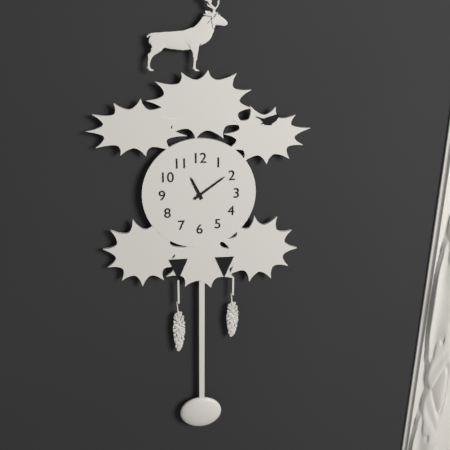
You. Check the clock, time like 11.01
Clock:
11.09
